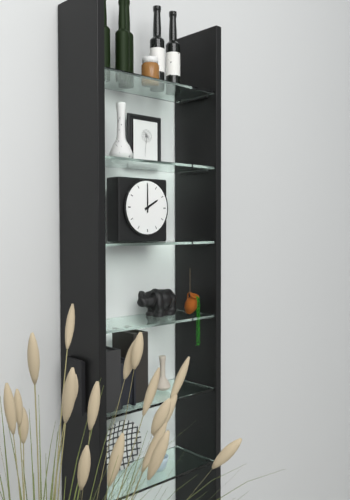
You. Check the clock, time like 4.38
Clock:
2.00
